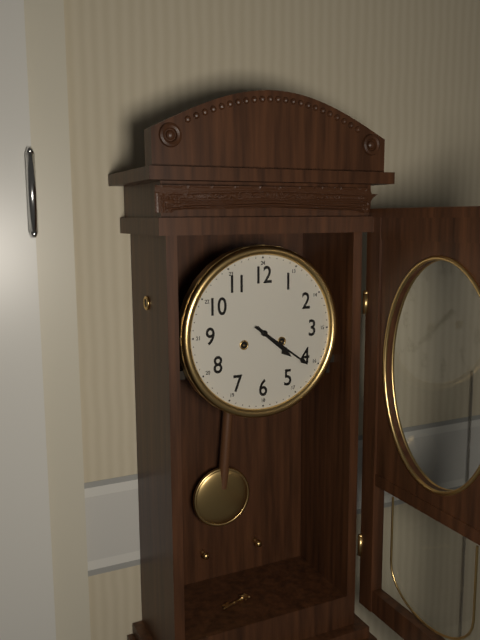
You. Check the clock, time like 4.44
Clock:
4.21
